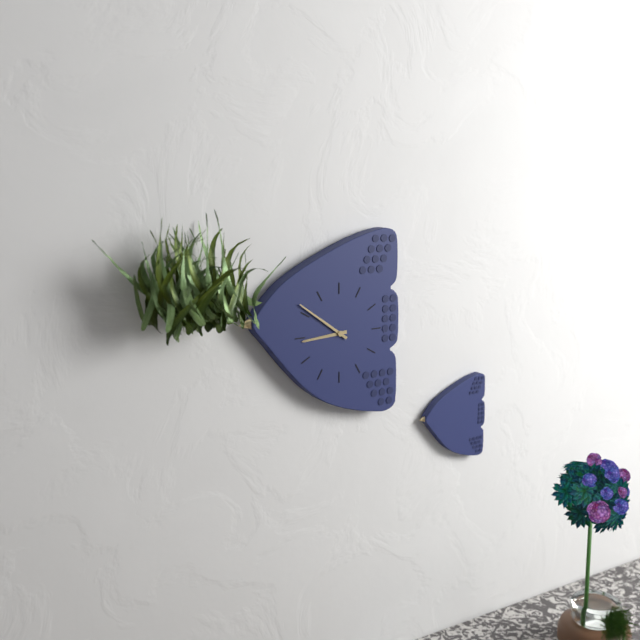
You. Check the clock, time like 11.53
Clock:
8.51
